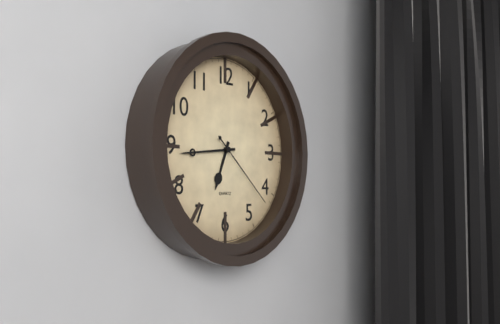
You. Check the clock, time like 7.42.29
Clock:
6.44.22
